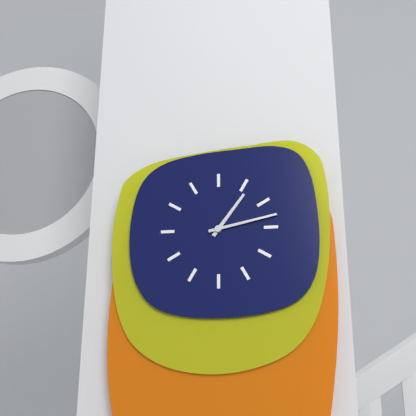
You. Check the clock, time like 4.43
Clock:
1.13
